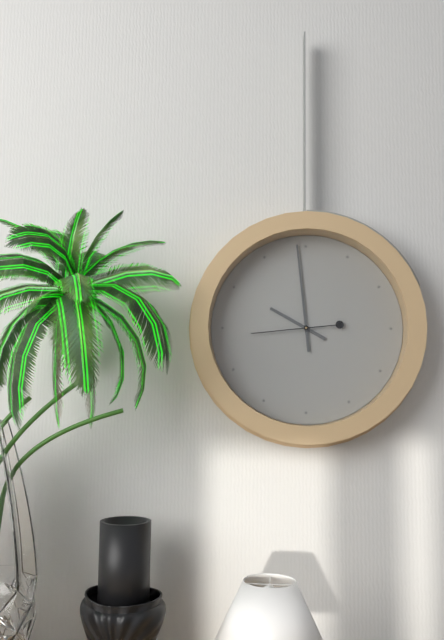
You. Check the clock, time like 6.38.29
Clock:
9.59.44
